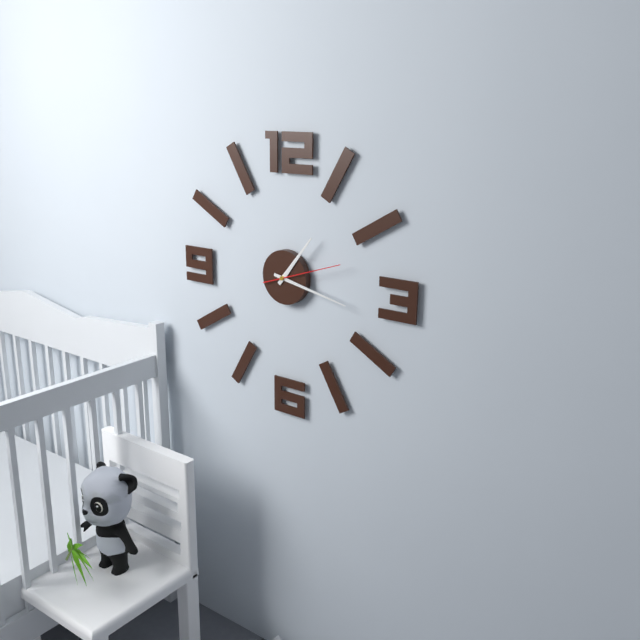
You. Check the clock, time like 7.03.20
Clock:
1.17.12
